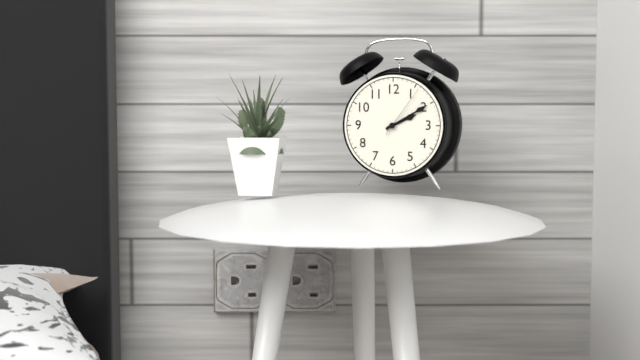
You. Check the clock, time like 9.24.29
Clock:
2.10.06
